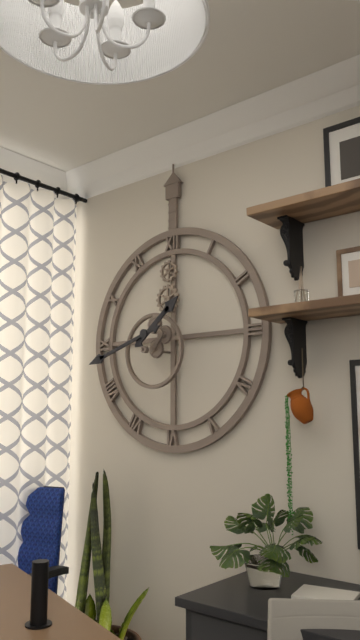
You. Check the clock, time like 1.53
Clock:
1.42
